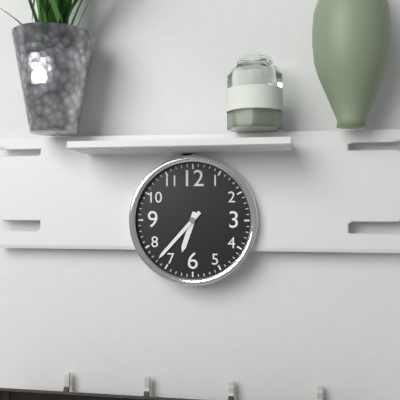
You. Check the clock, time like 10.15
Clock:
6.37
